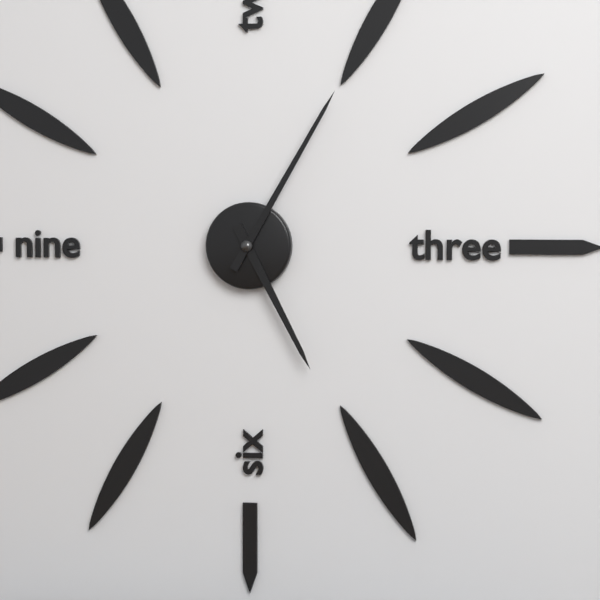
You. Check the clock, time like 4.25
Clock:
5.05
